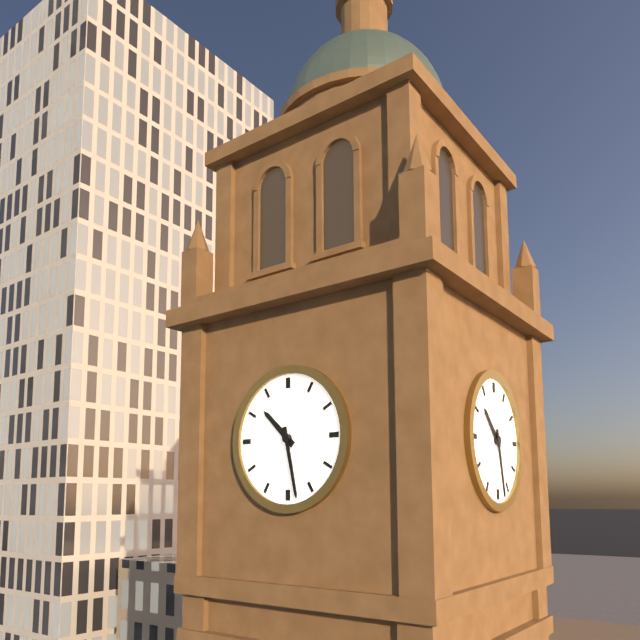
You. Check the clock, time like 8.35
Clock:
10.28
